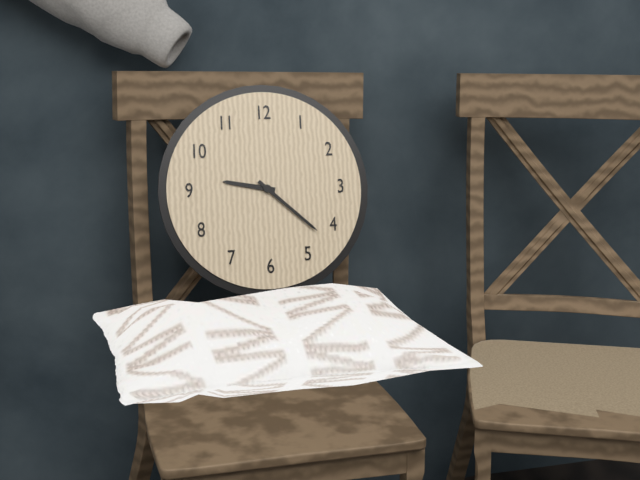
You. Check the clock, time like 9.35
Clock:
9.22
